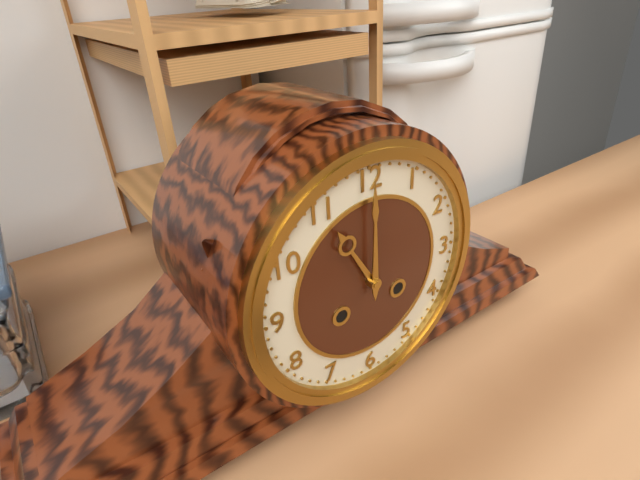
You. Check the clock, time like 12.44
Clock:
11.00
